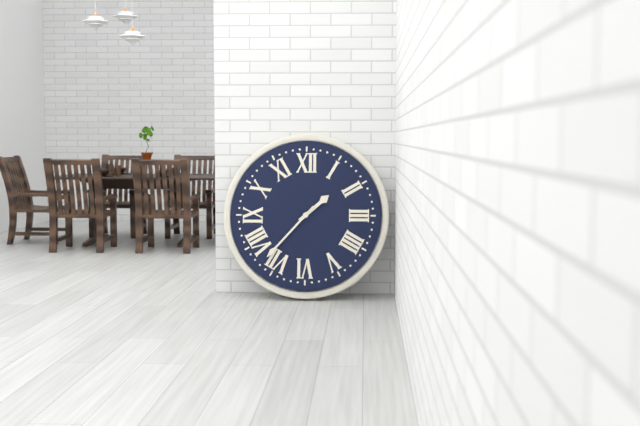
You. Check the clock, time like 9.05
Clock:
1.37
